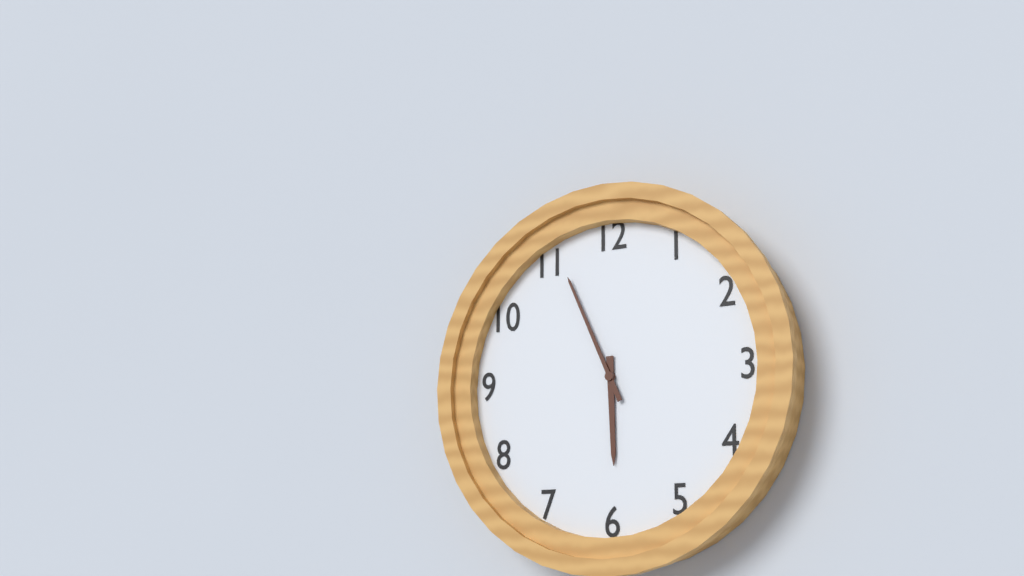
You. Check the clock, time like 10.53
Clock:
5.56
